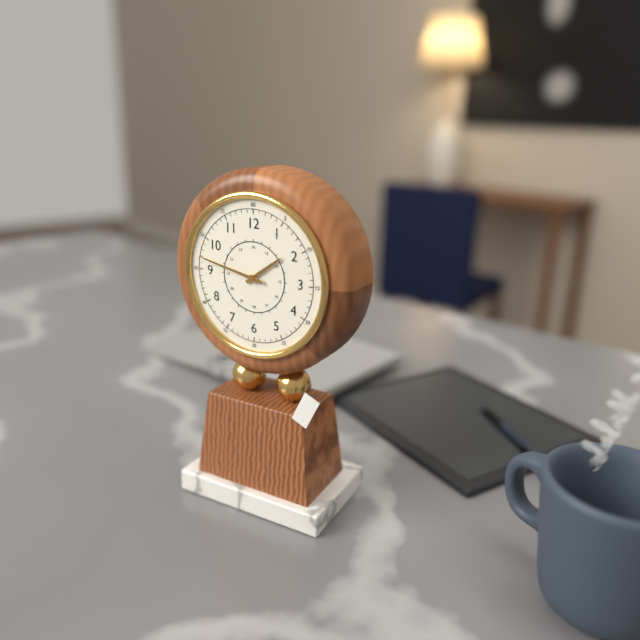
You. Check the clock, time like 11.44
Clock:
1.47
